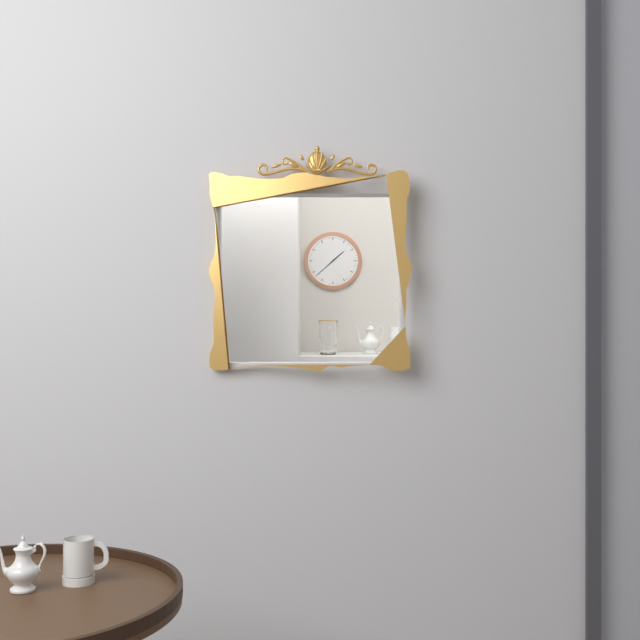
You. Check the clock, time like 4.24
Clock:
1.38
